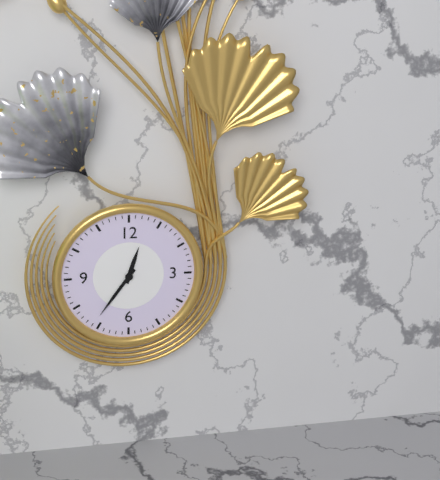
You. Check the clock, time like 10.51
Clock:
12.36
